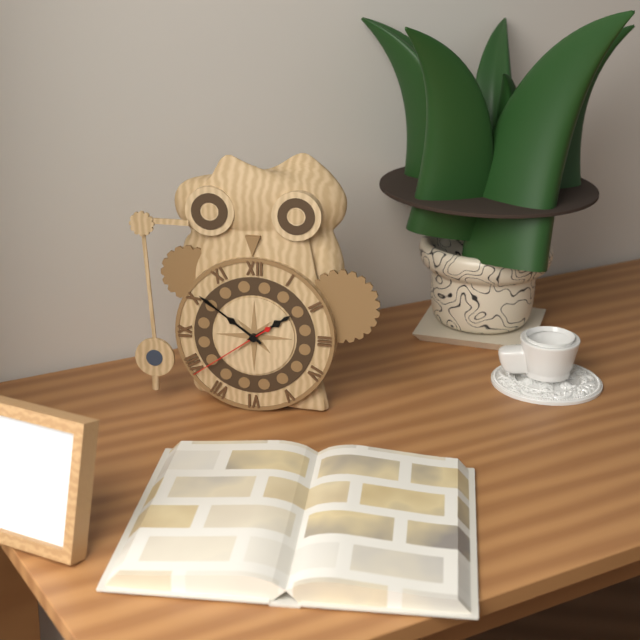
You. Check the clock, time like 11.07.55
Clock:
1.51.39
